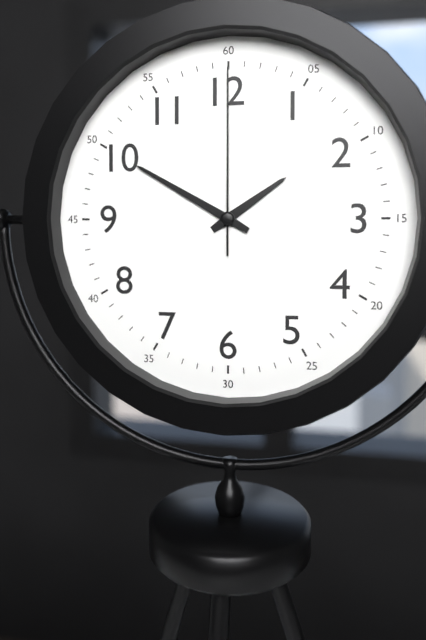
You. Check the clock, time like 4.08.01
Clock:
1.50.00
